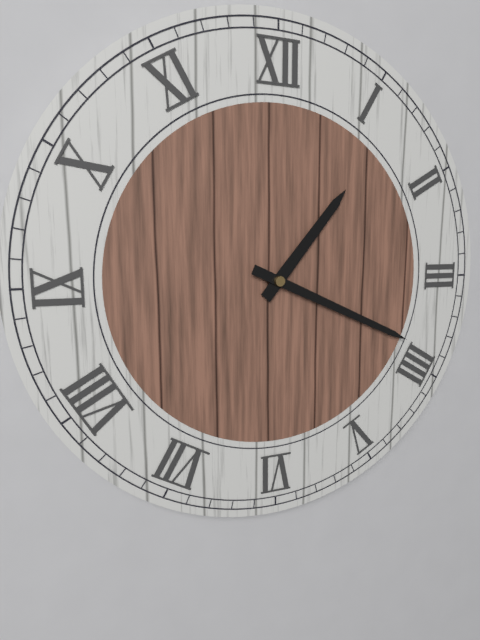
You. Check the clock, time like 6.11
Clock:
1.19
